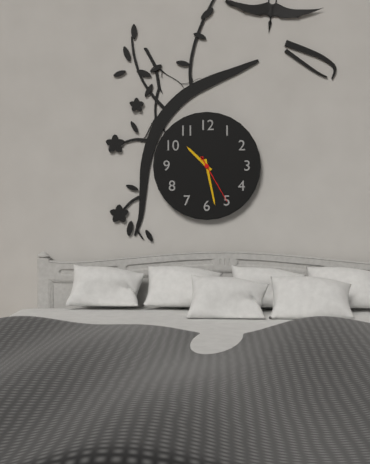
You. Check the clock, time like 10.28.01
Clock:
10.28.25
